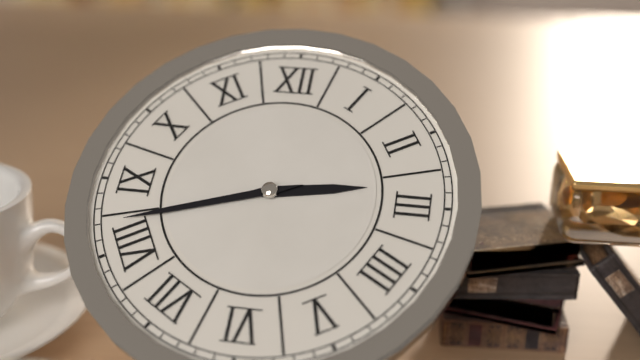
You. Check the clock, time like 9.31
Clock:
2.42
